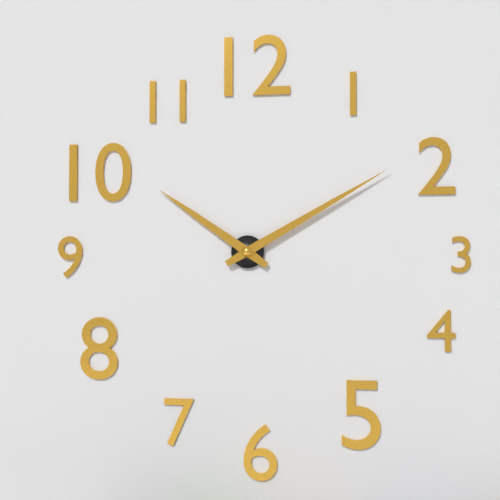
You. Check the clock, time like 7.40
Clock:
10.10
